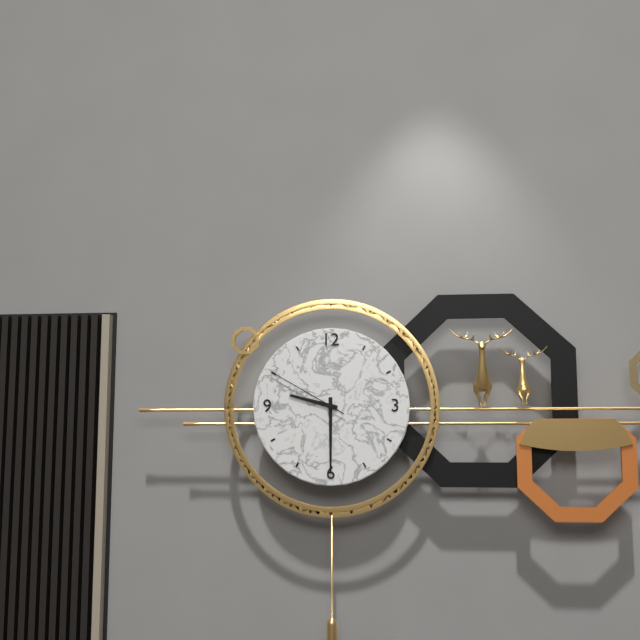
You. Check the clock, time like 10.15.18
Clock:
9.30.50
